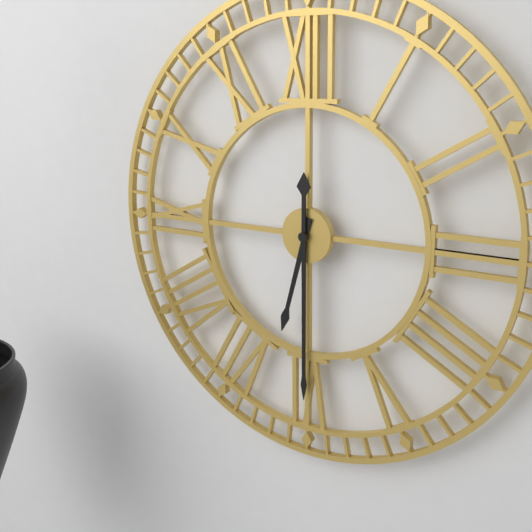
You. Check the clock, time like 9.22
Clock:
6.30
